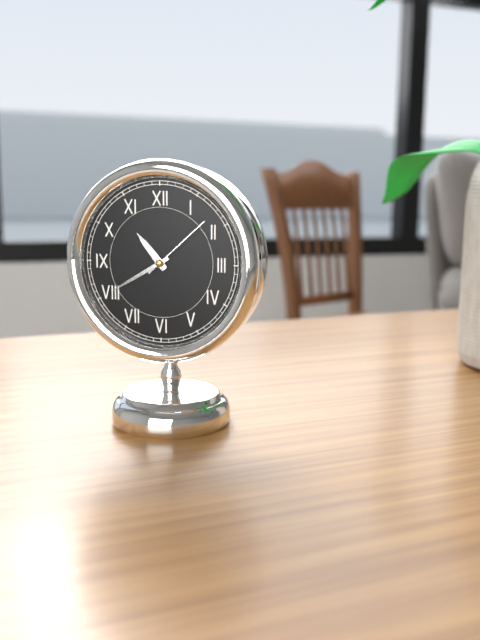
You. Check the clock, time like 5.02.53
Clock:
10.40.08
